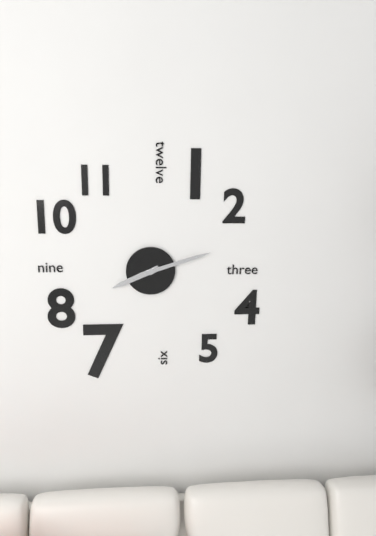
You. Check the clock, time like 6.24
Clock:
8.12
